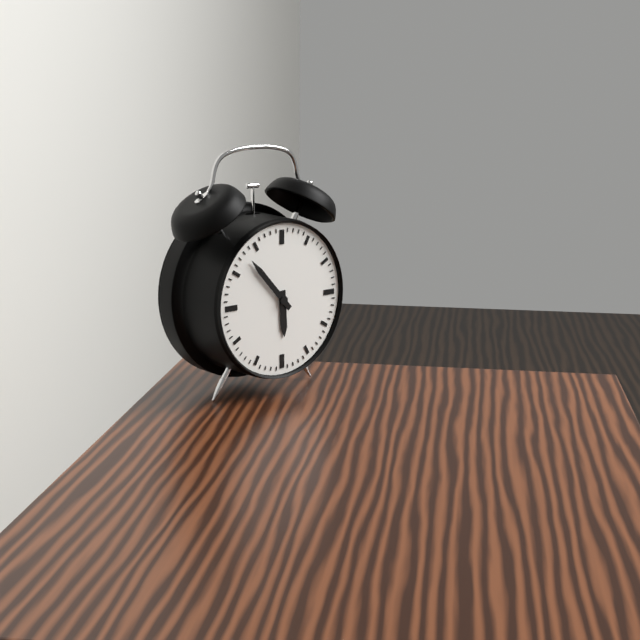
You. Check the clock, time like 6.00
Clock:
5.53
